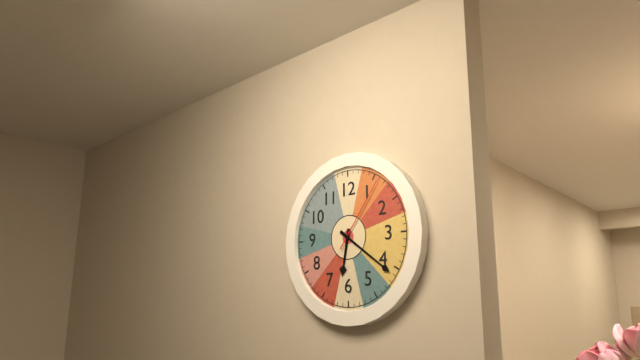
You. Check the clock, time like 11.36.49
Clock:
6.21.06
